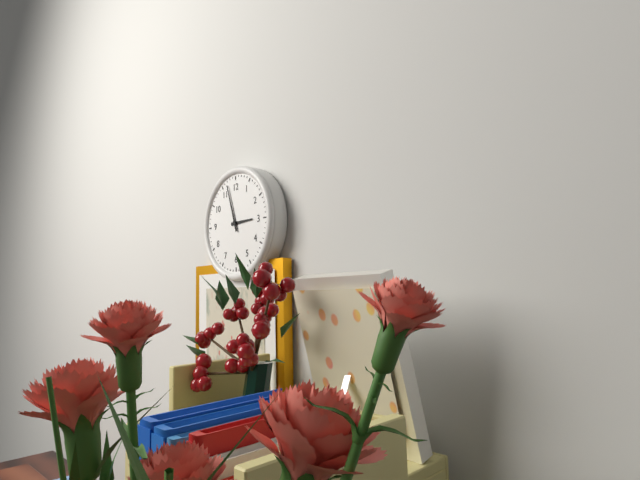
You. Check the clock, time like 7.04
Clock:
2.57
